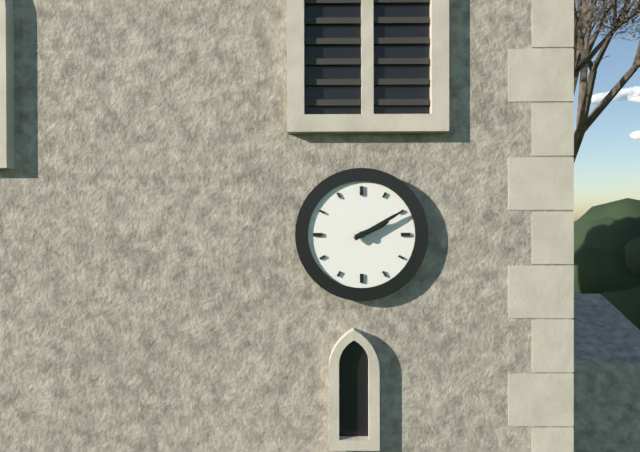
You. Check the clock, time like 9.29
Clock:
2.10
